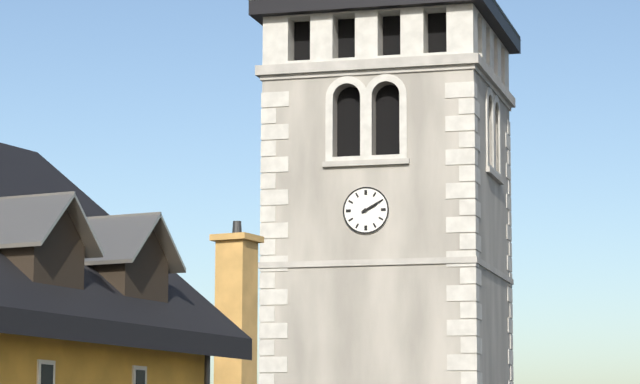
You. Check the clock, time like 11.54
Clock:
2.10
